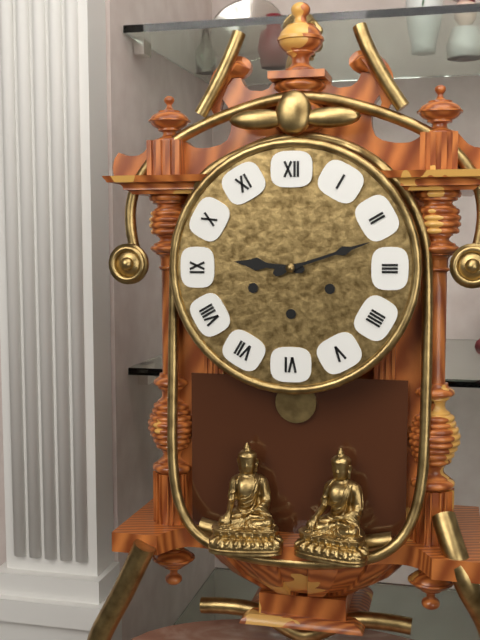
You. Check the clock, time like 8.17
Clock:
9.12
